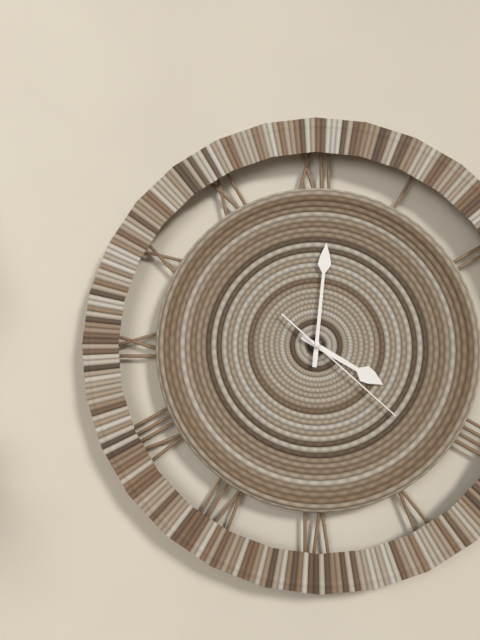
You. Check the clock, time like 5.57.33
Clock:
4.01.22
